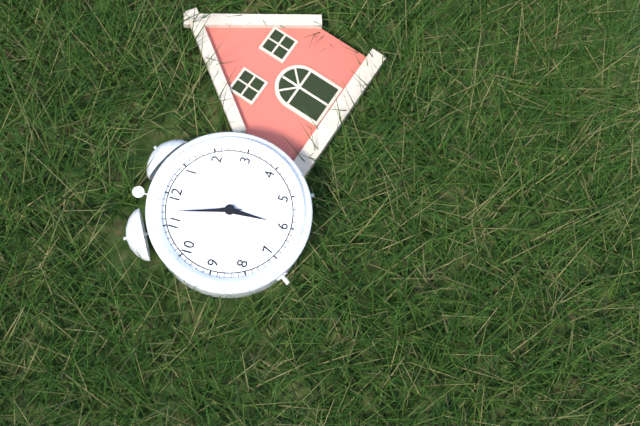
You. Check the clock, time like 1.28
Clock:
5.57
